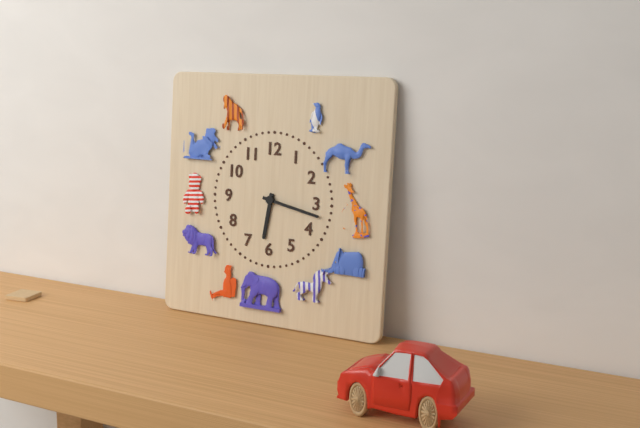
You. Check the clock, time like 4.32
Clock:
6.17
